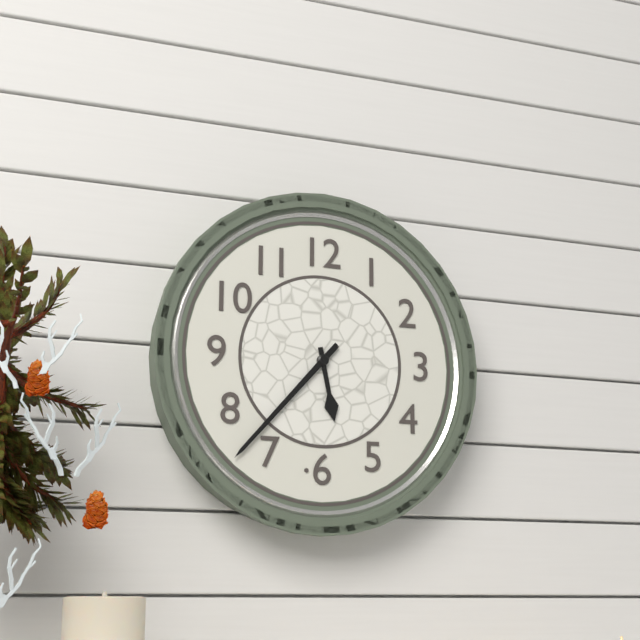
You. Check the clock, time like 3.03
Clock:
5.37
